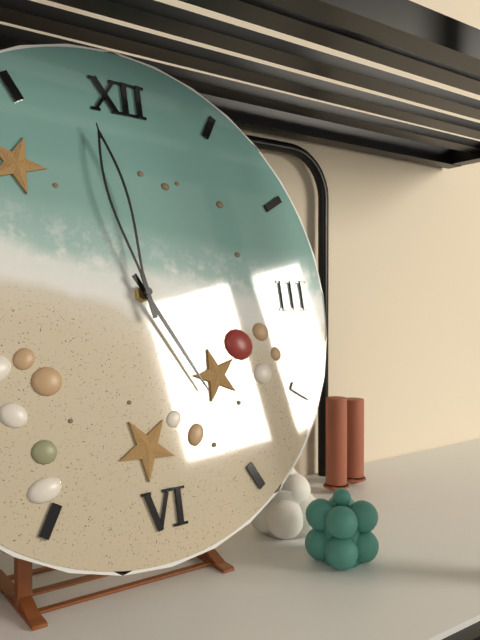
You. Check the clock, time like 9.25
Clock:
4.58
